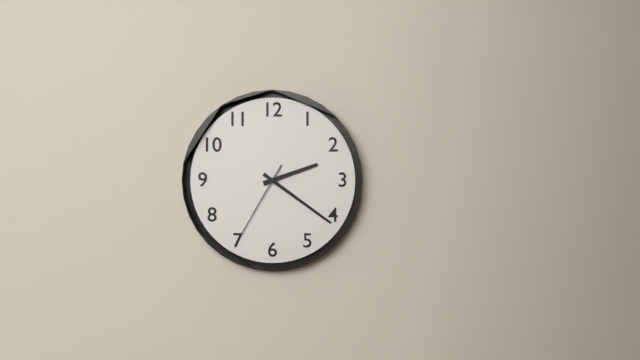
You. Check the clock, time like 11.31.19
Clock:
2.21.35
